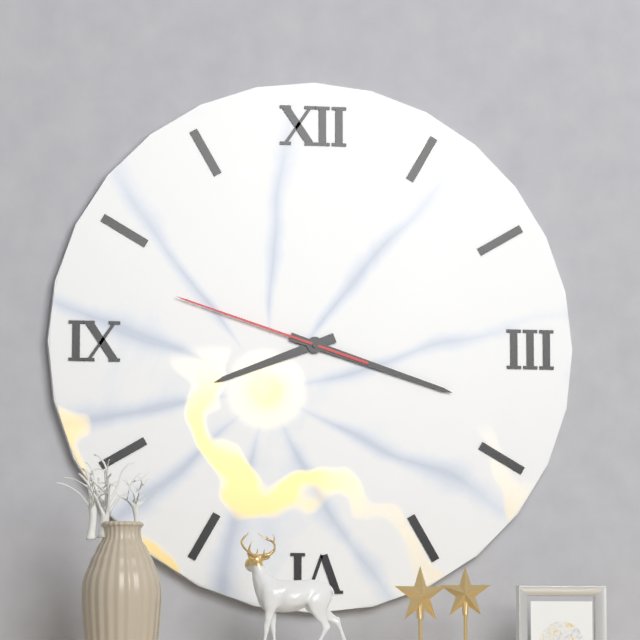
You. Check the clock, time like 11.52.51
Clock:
8.18.48
